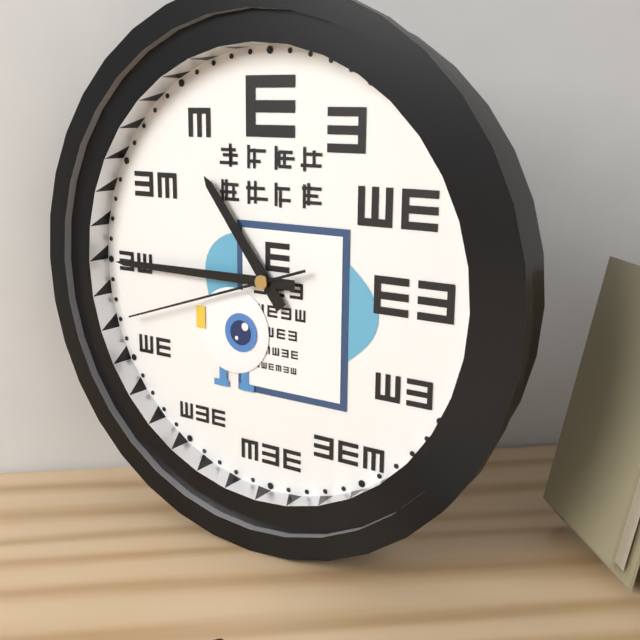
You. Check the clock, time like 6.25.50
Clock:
10.45.42
